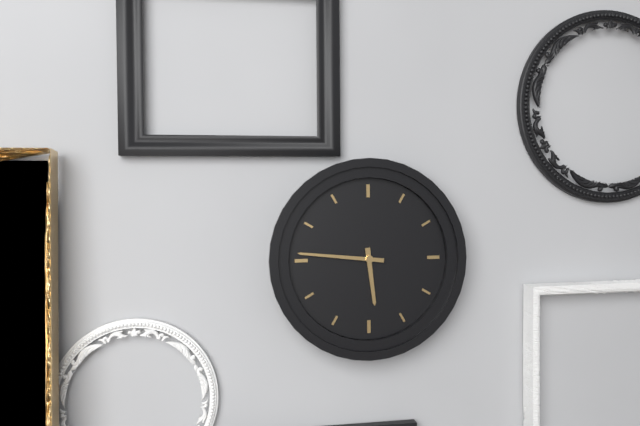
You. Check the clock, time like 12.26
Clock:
5.46
